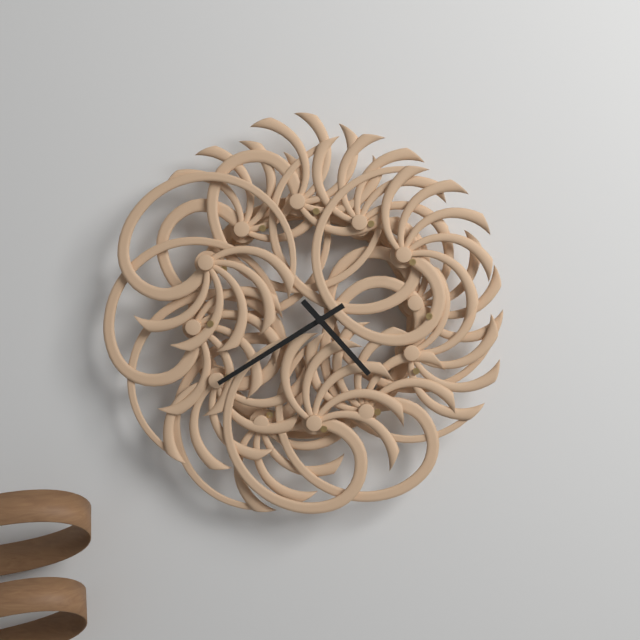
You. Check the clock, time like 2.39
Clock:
4.40
